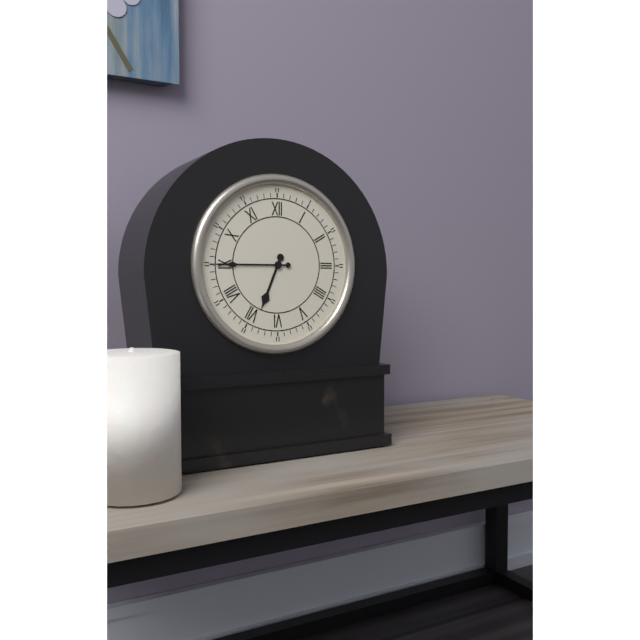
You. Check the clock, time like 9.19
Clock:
6.45
